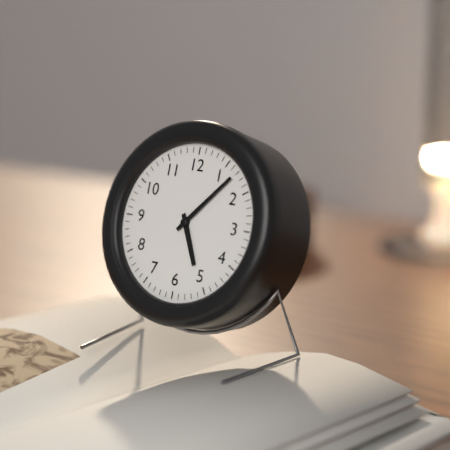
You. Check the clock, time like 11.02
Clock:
5.07
